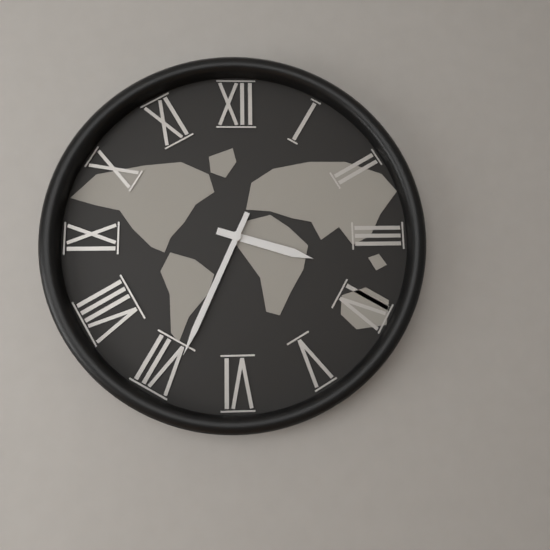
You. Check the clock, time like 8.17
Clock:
3.34
